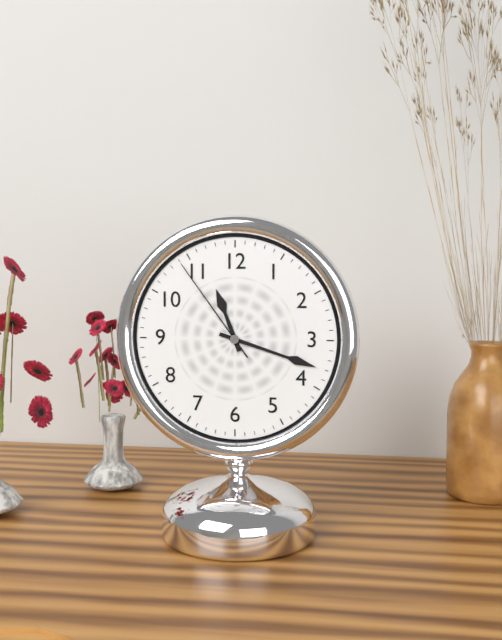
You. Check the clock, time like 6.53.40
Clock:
11.18.54
